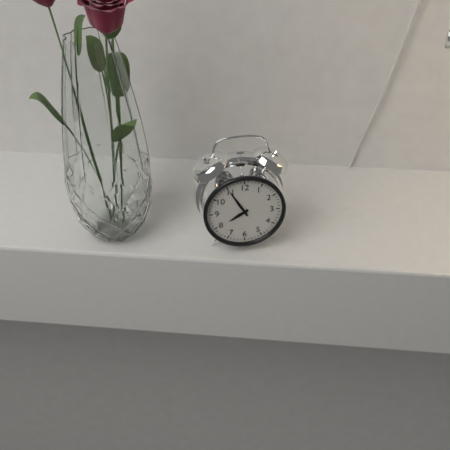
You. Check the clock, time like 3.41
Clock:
7.55
